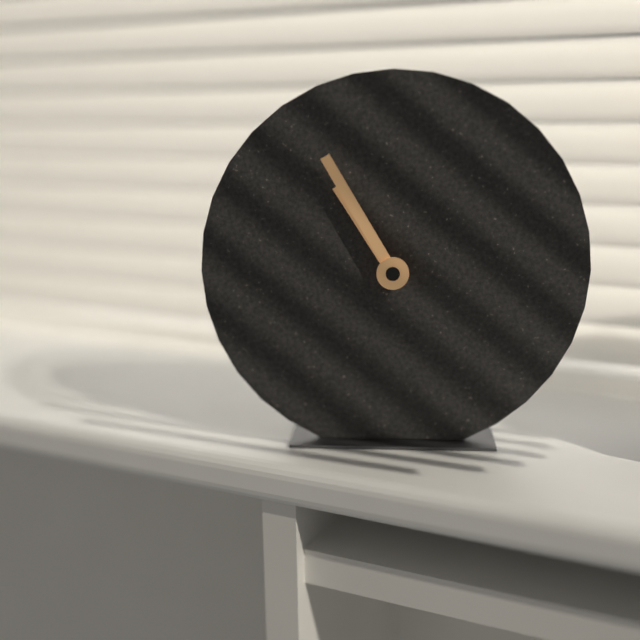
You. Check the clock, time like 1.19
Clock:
10.55
